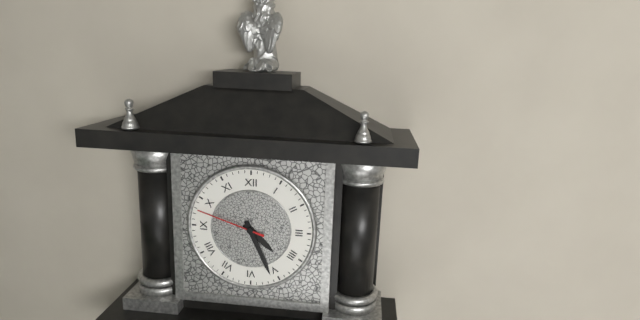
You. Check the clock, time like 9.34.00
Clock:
4.26.48
